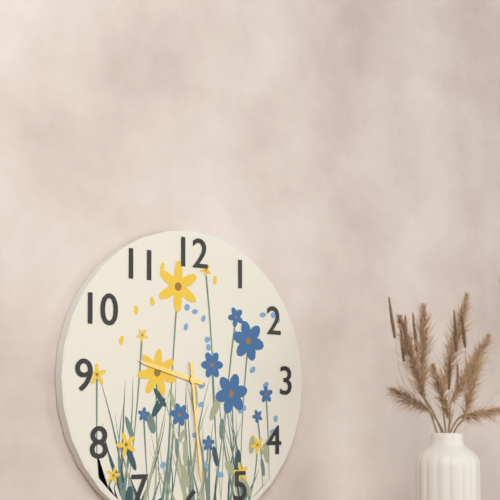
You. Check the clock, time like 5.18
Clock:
9.29
